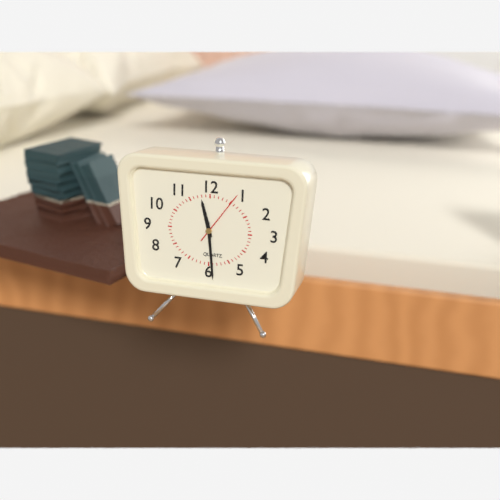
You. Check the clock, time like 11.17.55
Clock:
11.29.06
